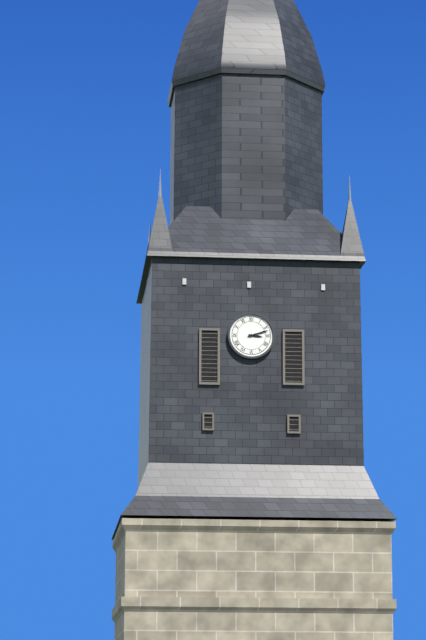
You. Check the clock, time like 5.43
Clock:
3.12
